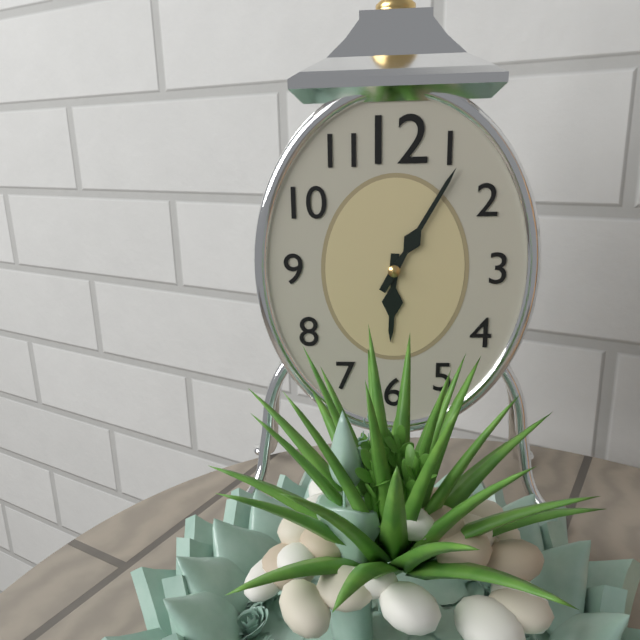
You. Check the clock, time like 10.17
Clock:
6.05
